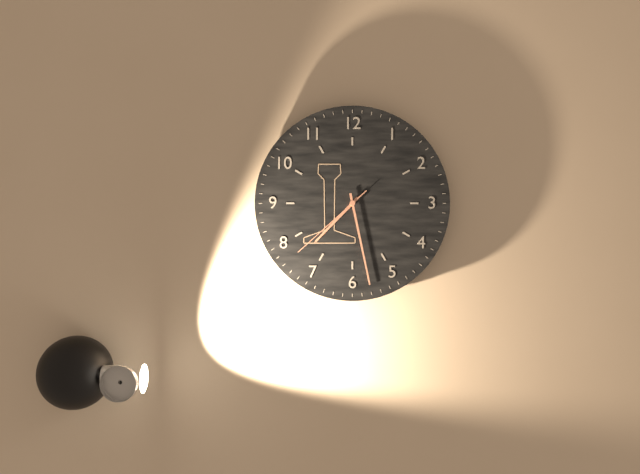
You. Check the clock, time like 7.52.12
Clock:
7.28.38
